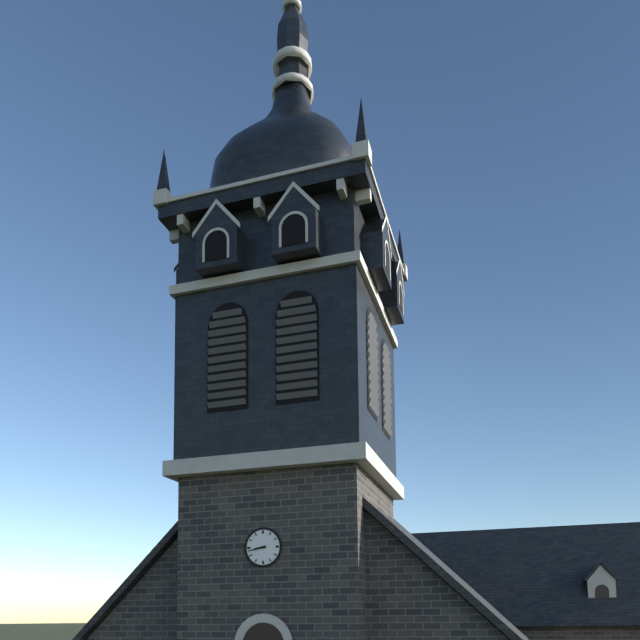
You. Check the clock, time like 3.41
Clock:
8.43
